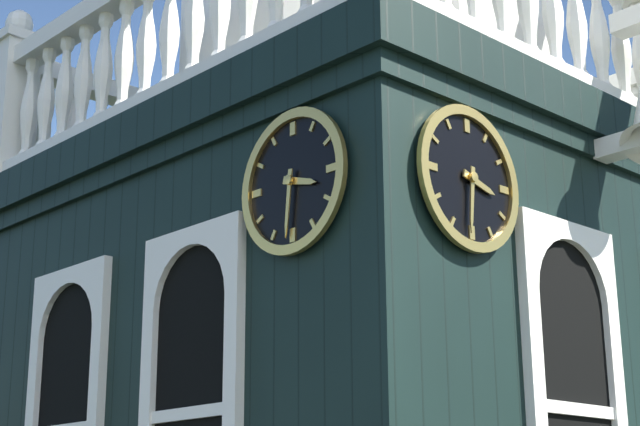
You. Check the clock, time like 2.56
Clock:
3.31
